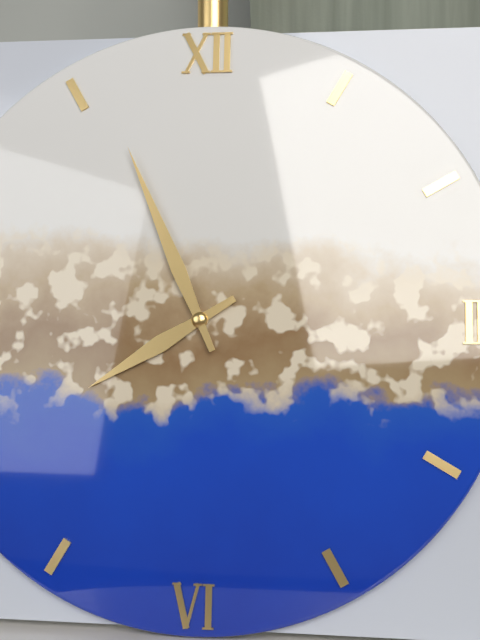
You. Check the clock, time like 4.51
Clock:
7.56
